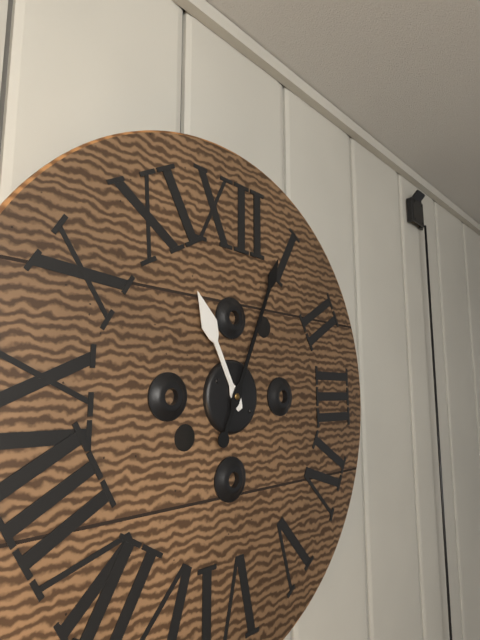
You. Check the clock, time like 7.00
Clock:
11.04
